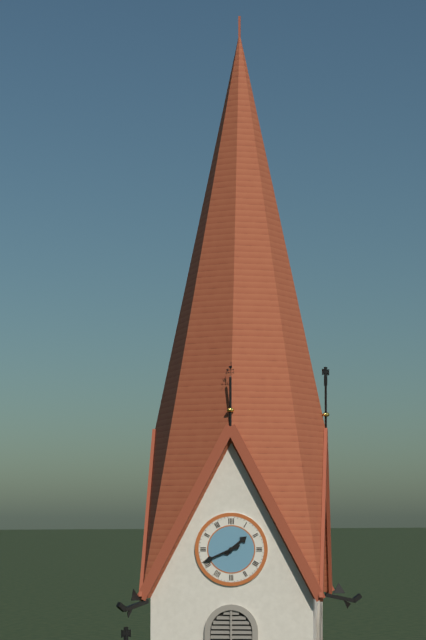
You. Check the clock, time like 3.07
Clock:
1.41
